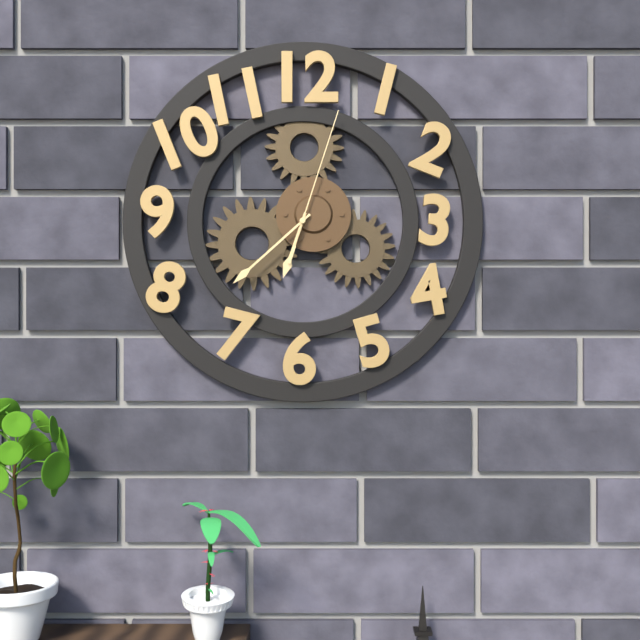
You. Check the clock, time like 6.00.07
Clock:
6.38.03
